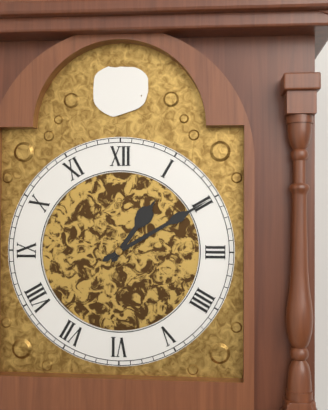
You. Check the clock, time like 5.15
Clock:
1.10
